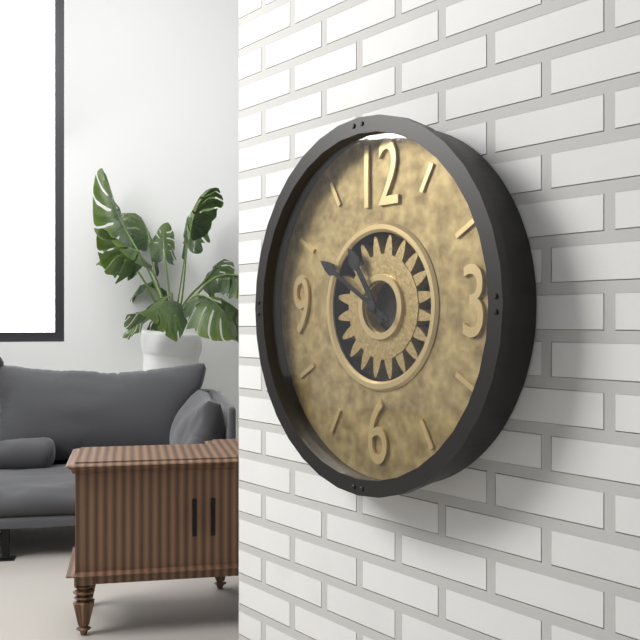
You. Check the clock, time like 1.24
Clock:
10.50
